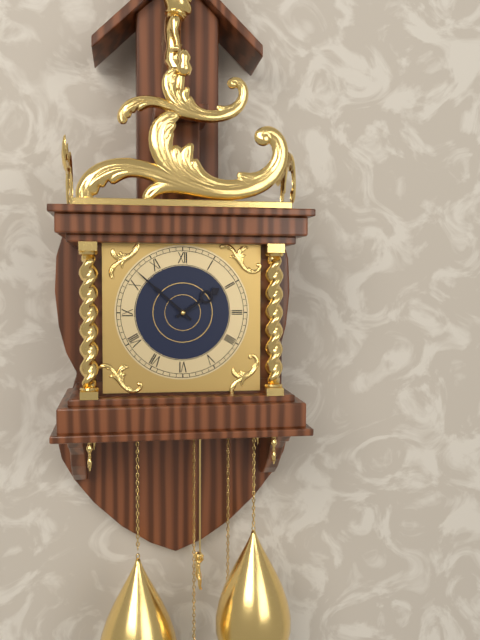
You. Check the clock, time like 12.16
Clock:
1.52
